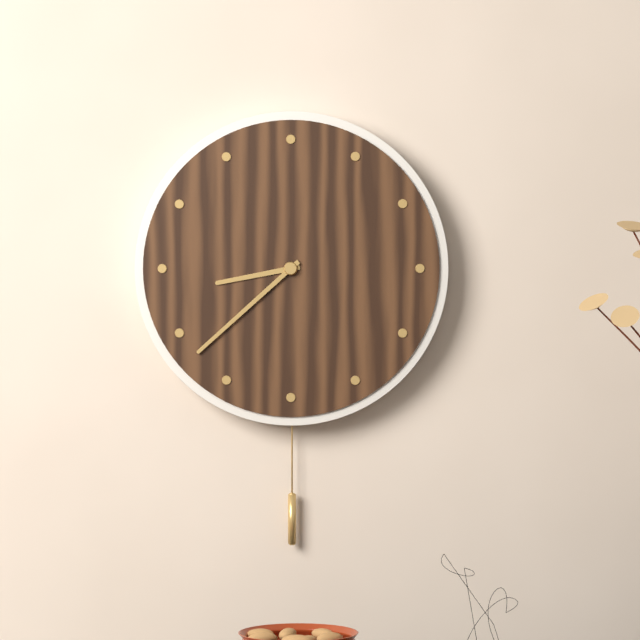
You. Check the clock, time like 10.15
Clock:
8.38
